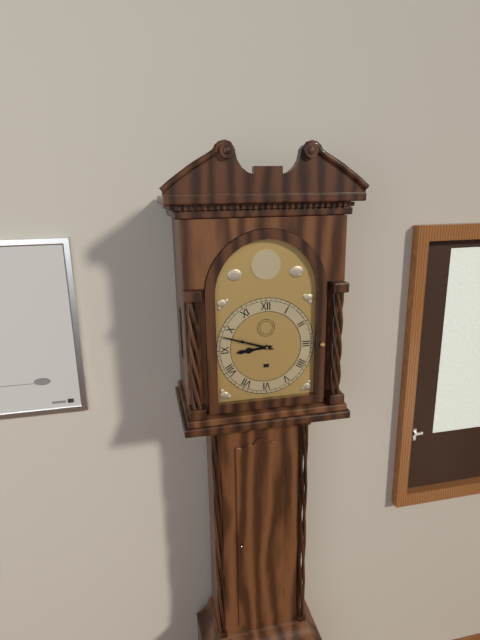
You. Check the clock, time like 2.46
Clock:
8.48
